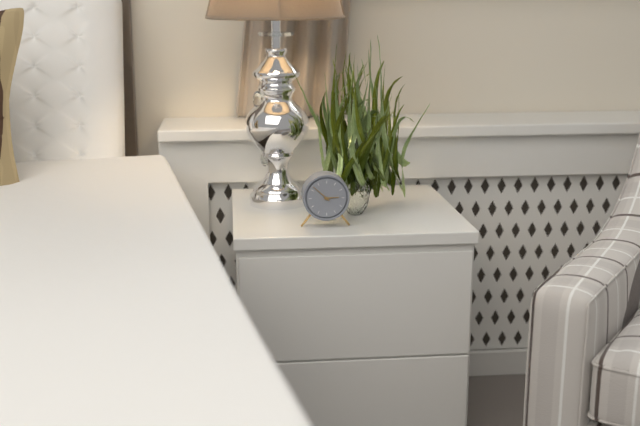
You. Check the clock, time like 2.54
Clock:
2.52
